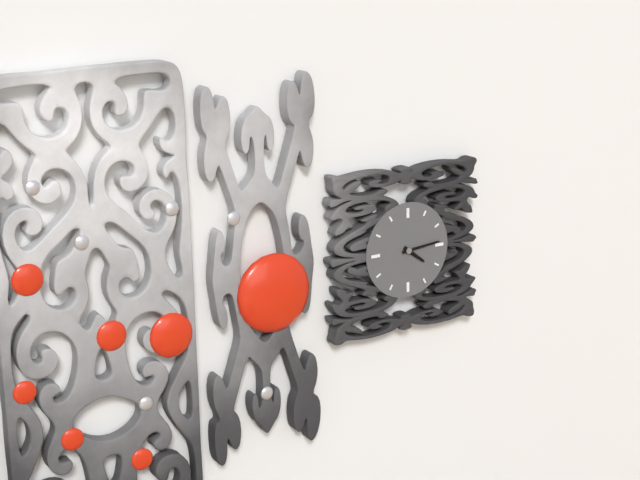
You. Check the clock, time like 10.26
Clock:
4.14
